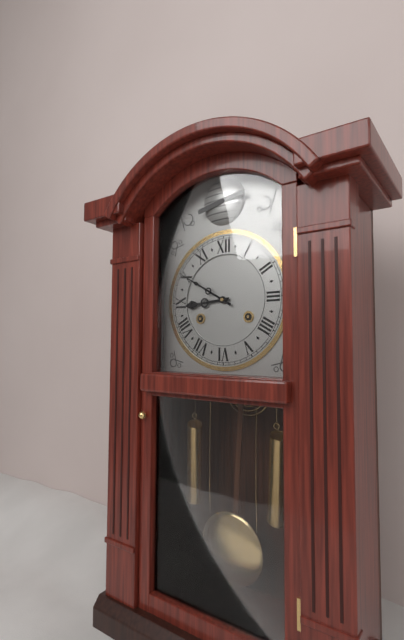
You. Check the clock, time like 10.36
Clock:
8.50
